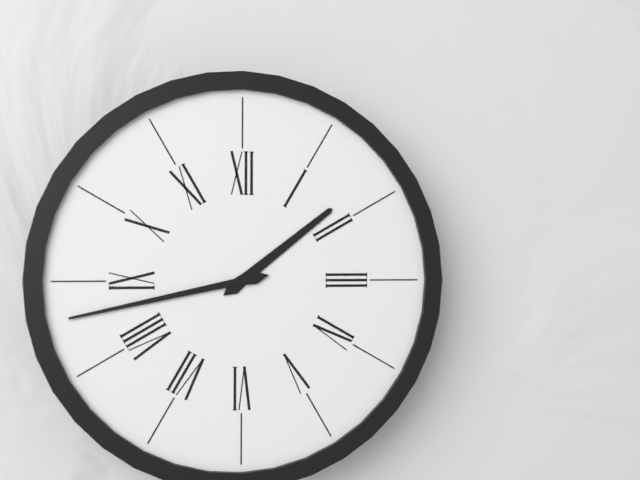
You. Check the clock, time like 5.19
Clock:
1.43
